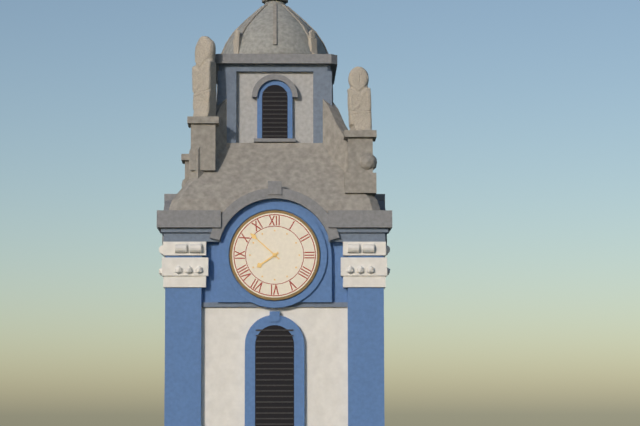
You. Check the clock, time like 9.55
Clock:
7.52
